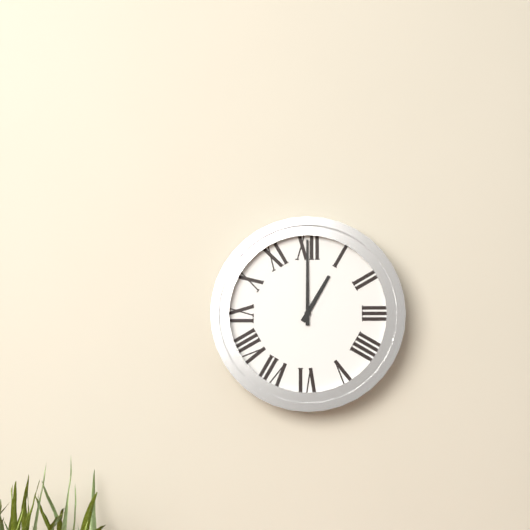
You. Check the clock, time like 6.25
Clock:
1.00
